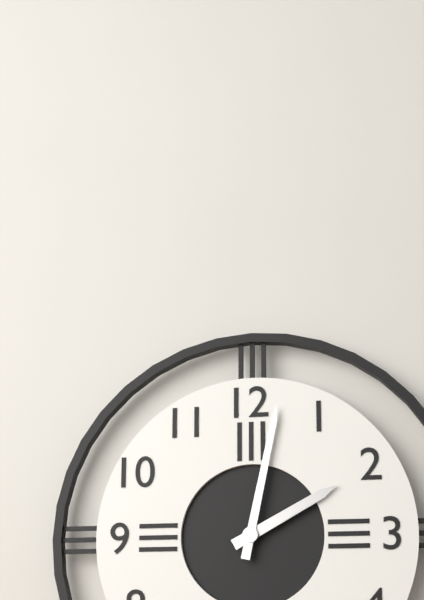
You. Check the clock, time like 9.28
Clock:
2.02
